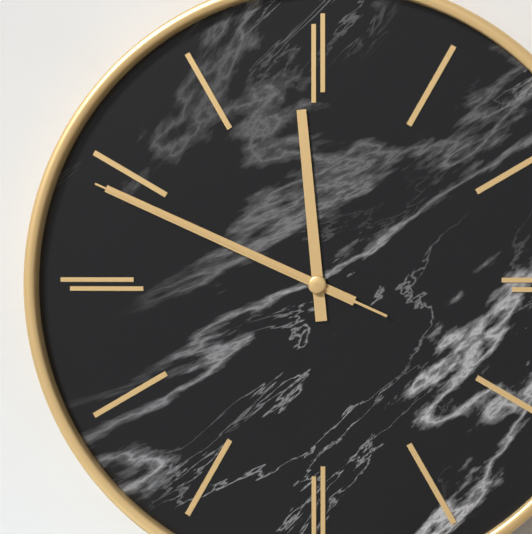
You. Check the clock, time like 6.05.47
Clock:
11.49.49
